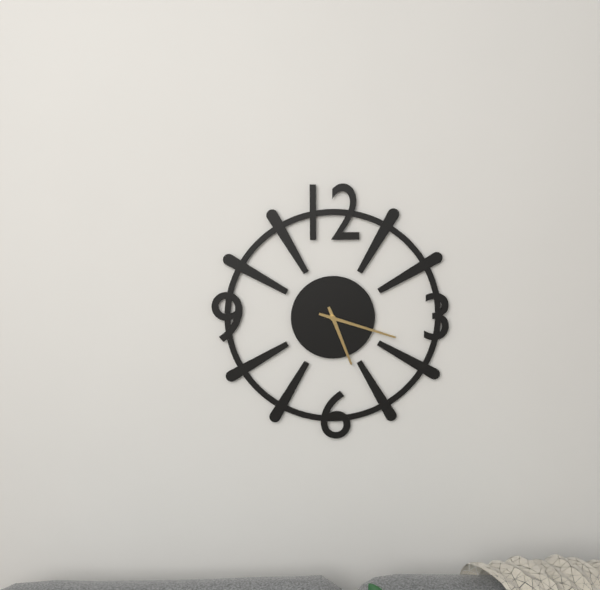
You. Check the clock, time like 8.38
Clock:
5.18
